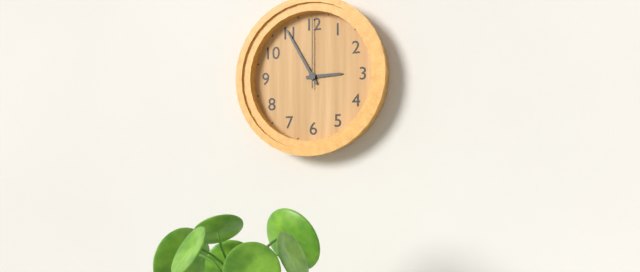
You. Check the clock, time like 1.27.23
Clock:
2.55.00
